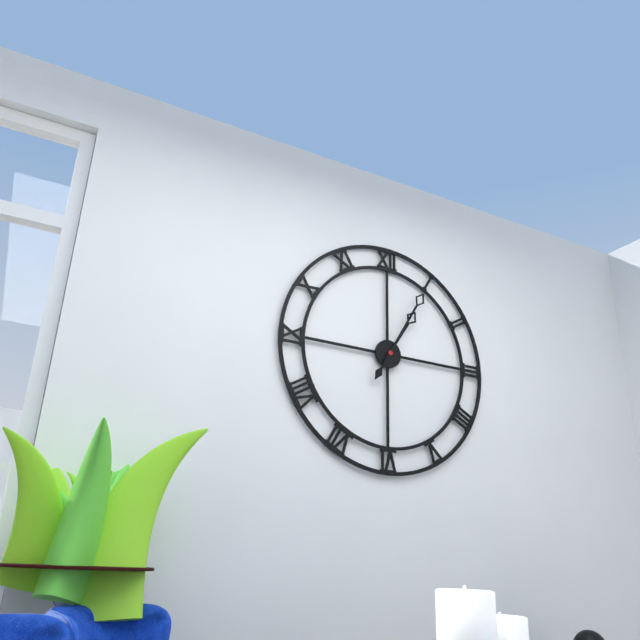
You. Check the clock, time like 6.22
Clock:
1.05
